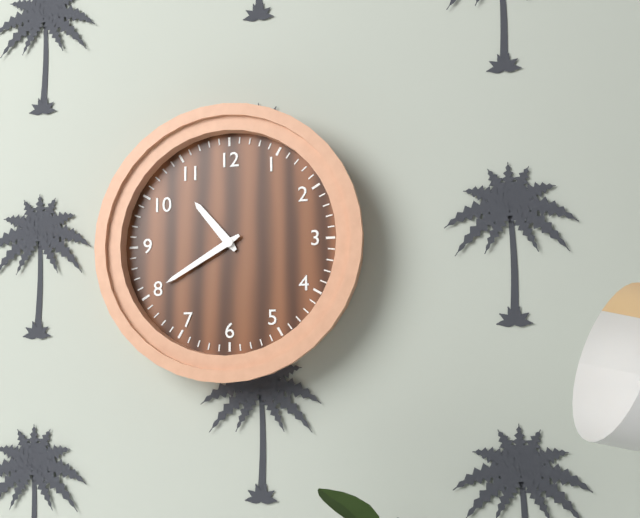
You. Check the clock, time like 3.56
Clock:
10.40
